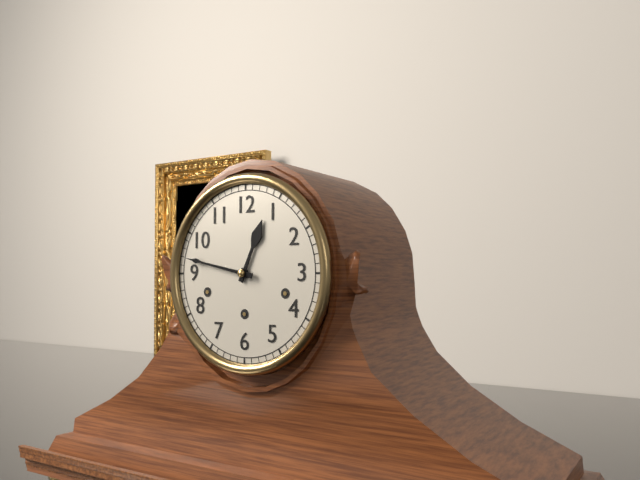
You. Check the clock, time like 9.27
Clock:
12.47
